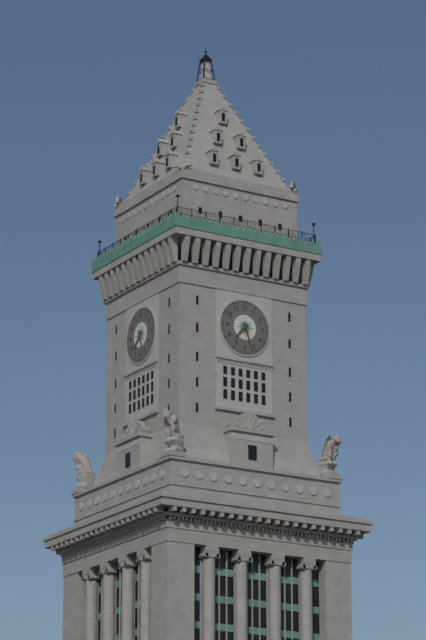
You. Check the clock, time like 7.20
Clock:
7.27
